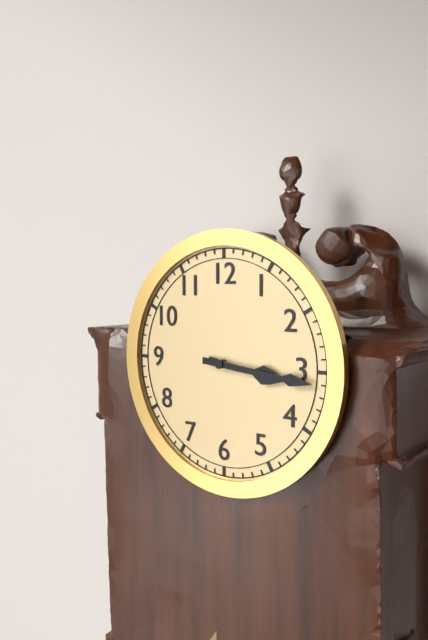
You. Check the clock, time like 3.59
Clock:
3.16
